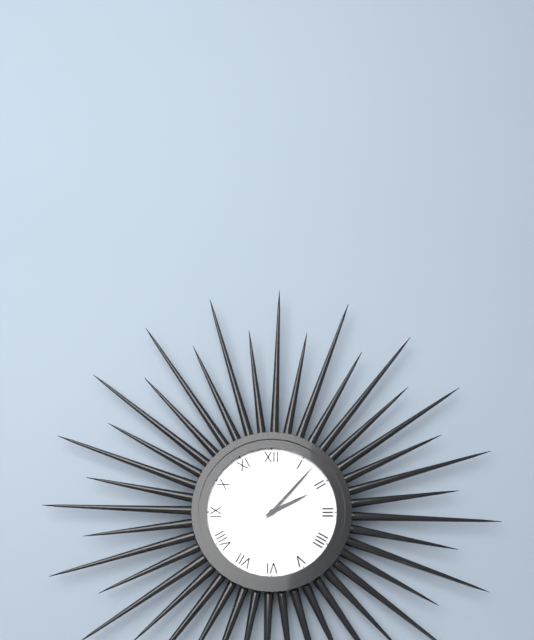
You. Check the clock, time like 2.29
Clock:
2.07
